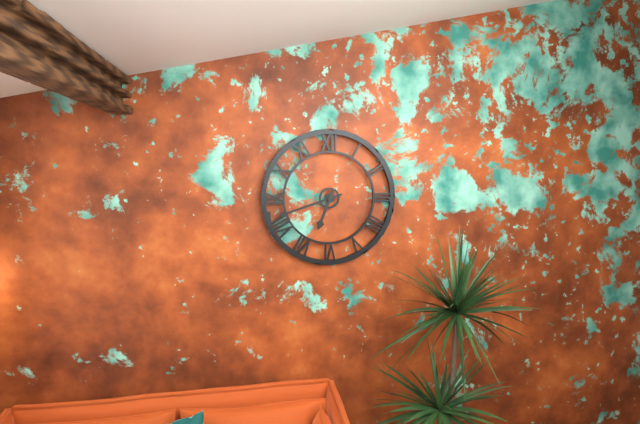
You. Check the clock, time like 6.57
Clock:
6.42
